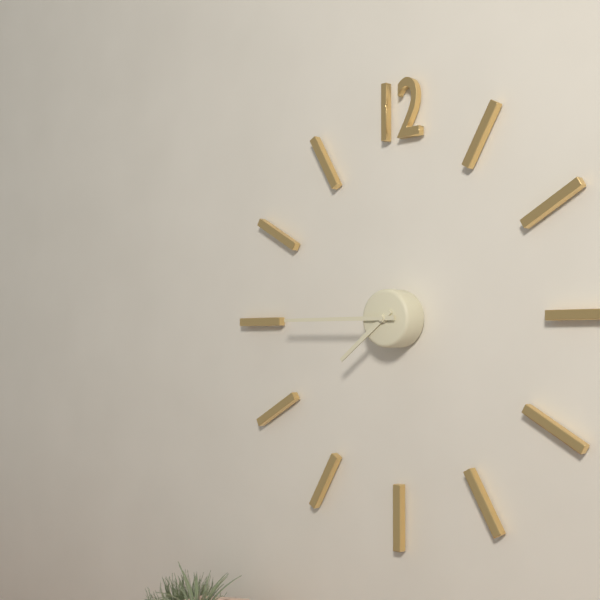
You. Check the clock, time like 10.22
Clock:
7.45
